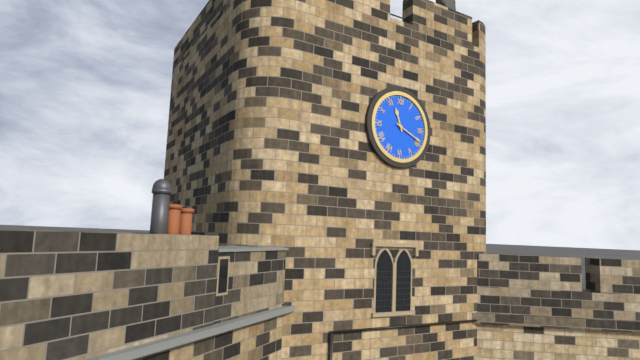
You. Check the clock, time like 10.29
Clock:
11.19
